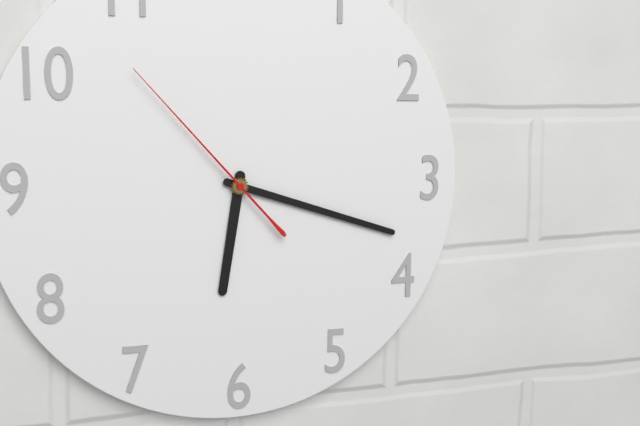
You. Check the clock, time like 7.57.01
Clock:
6.18.53
